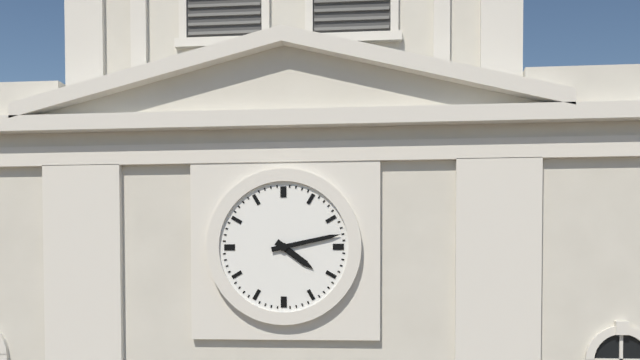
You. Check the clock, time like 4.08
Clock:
4.13
